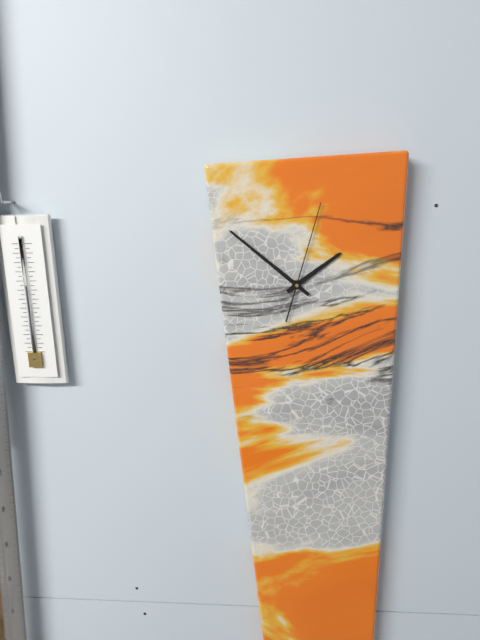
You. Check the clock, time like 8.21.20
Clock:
1.52.03
